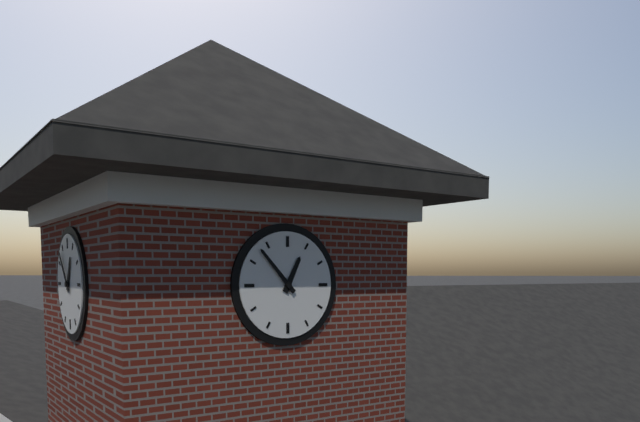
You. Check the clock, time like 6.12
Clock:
12.53
